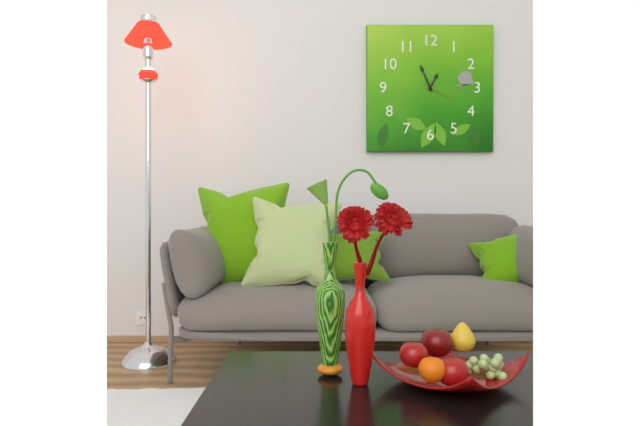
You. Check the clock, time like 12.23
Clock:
12.56
